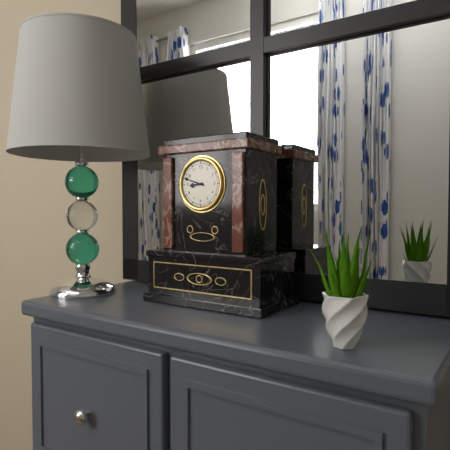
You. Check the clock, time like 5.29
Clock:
8.48
